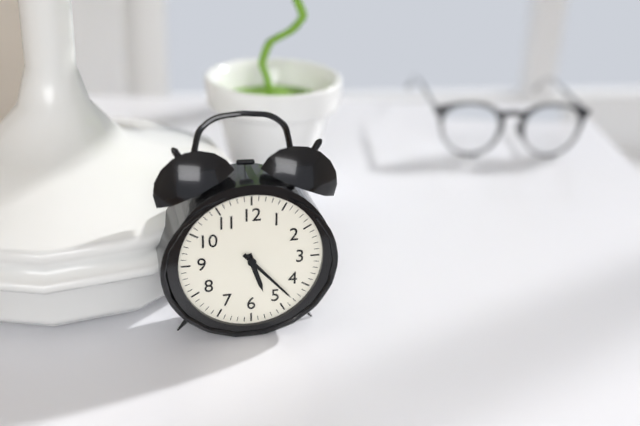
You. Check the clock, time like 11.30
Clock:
5.23
